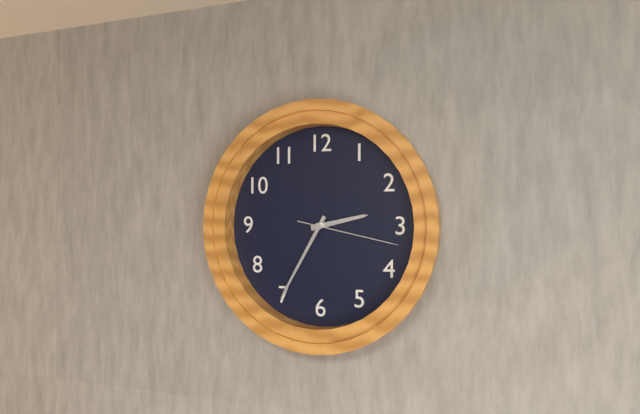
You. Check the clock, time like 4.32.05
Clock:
2.35.17
